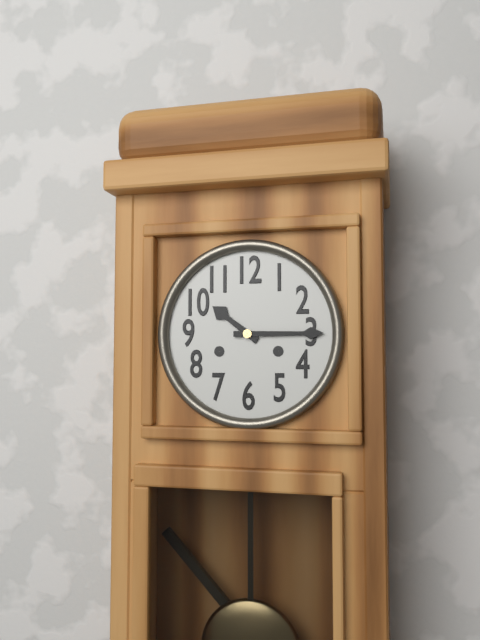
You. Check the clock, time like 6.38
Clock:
10.15
